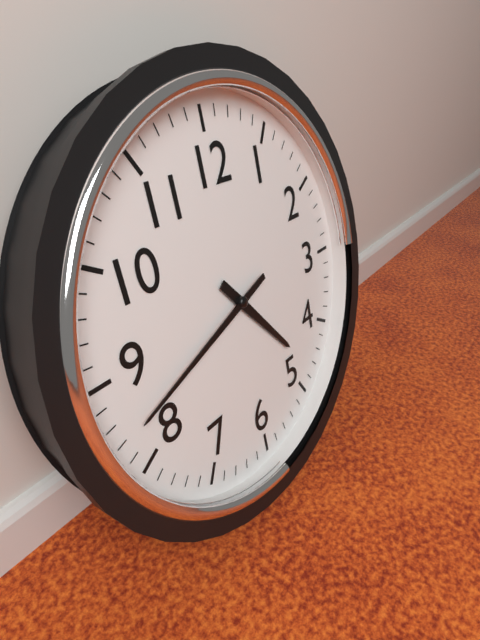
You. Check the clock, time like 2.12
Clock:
4.42
